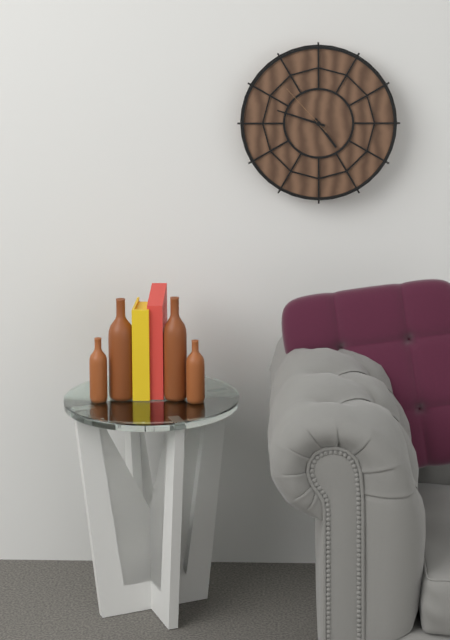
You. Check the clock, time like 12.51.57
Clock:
4.48.53
